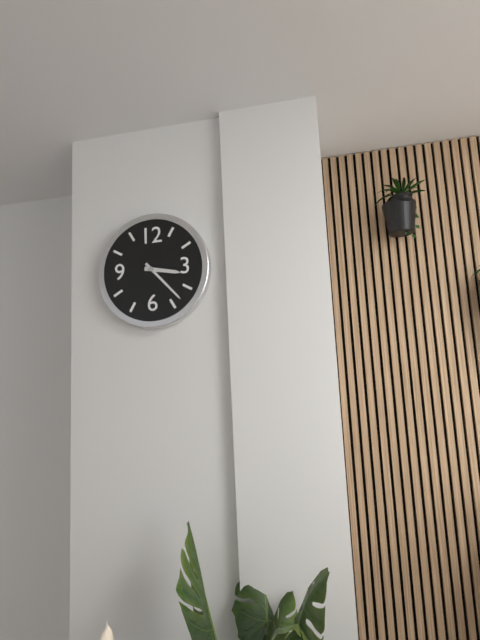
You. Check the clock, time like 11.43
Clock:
3.23
